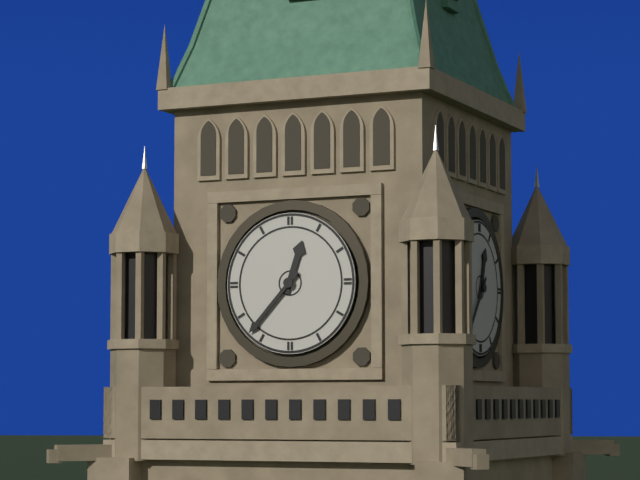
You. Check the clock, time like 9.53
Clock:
12.37
